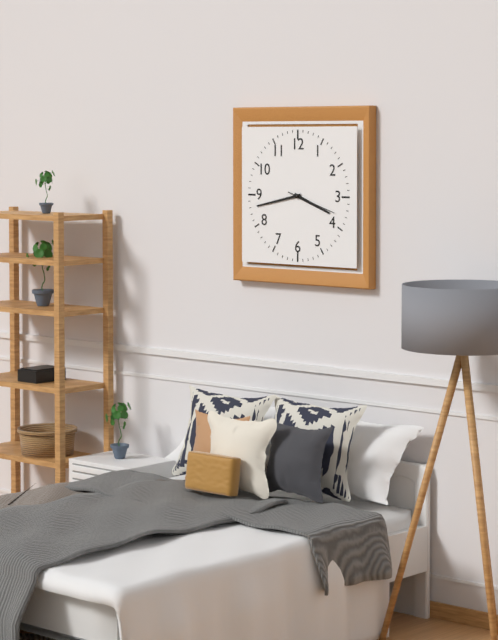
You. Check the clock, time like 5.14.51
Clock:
3.43.18
